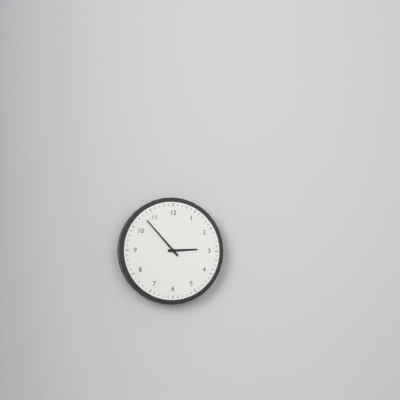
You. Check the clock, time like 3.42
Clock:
2.53
